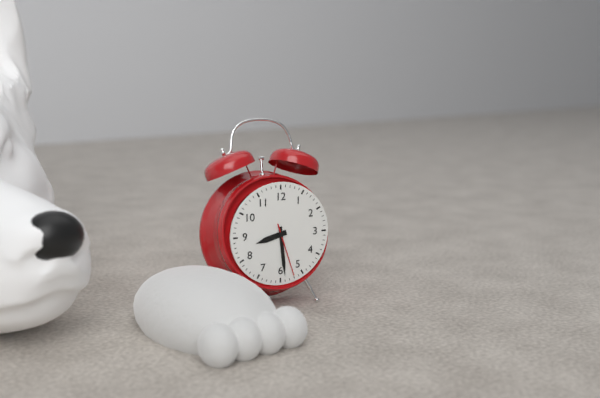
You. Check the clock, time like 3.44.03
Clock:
8.29.27
